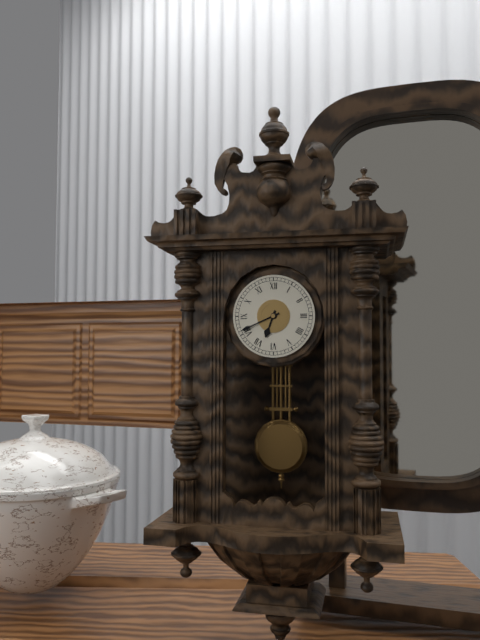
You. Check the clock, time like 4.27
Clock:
6.41
